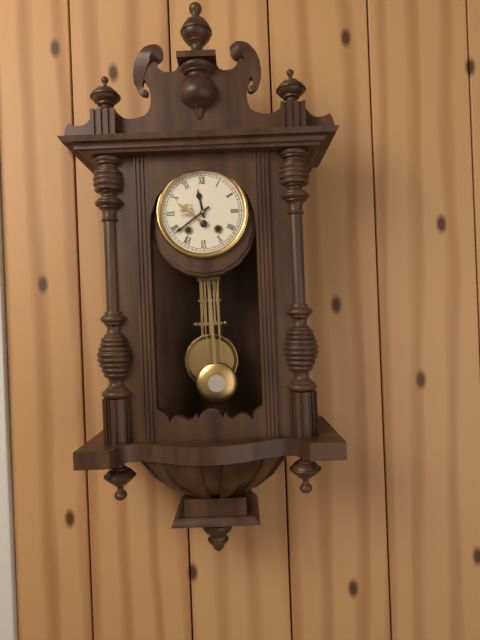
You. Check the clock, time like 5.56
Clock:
11.39
